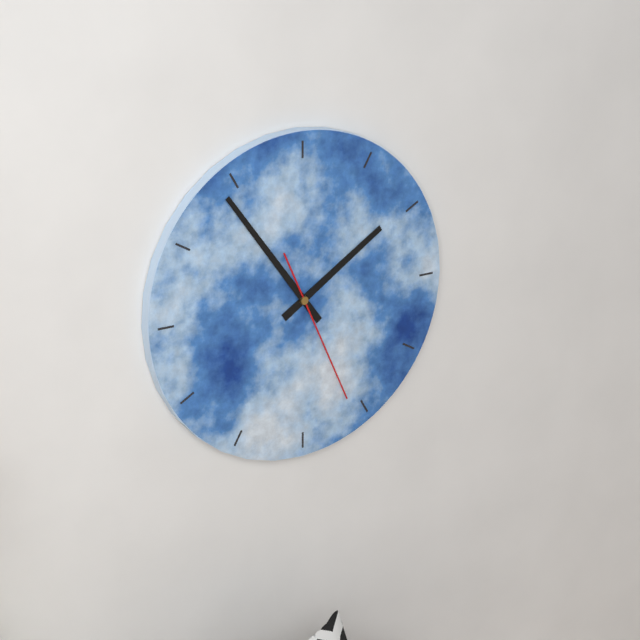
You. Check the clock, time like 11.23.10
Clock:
1.54.26
